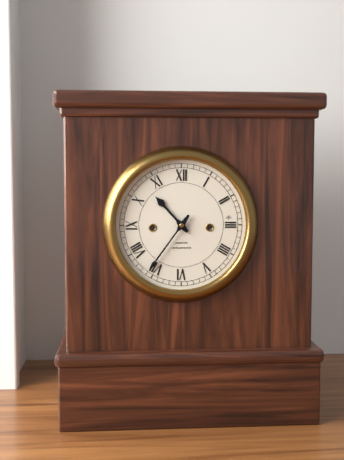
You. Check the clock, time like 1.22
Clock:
10.36
